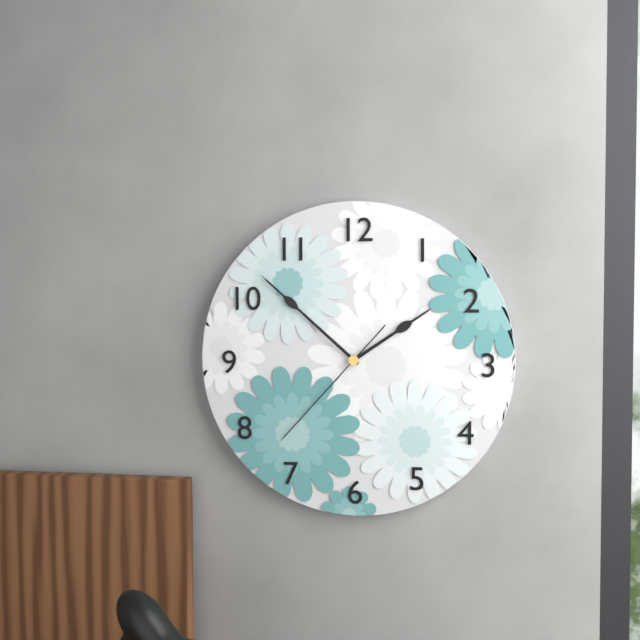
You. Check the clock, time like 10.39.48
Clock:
1.52.37
